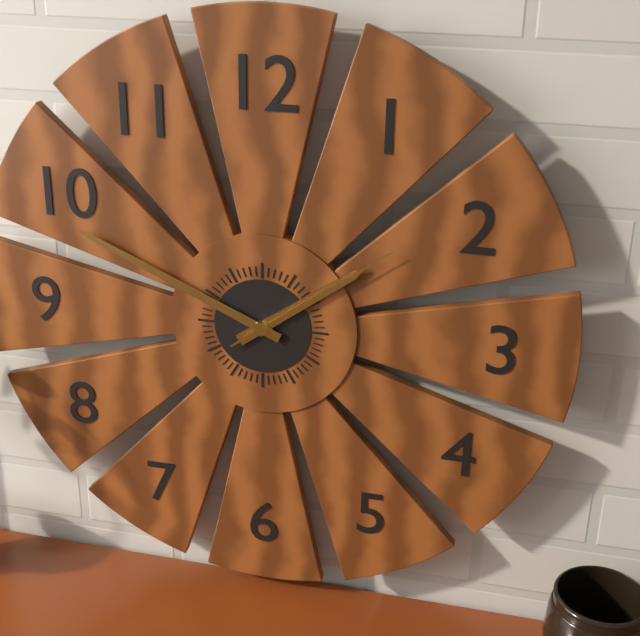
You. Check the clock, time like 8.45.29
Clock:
1.49.09
